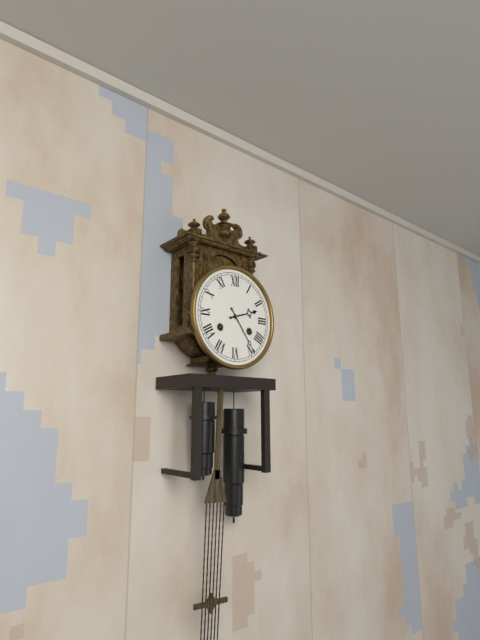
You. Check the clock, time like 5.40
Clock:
2.24
